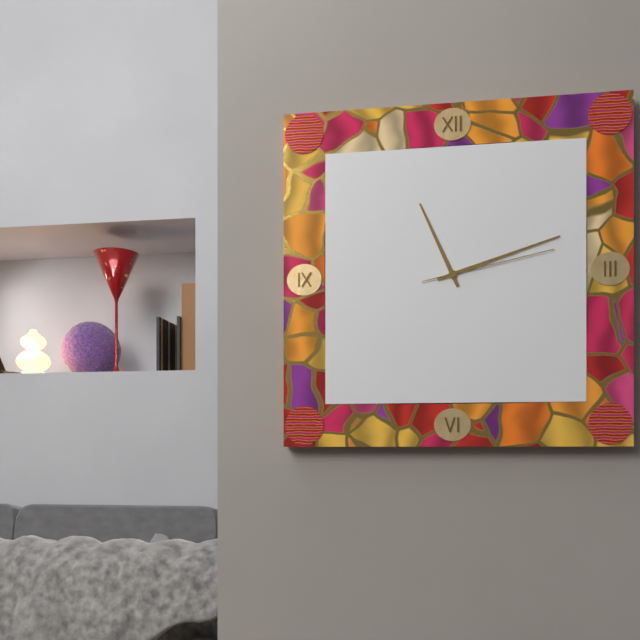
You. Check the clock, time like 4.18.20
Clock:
11.12.13
